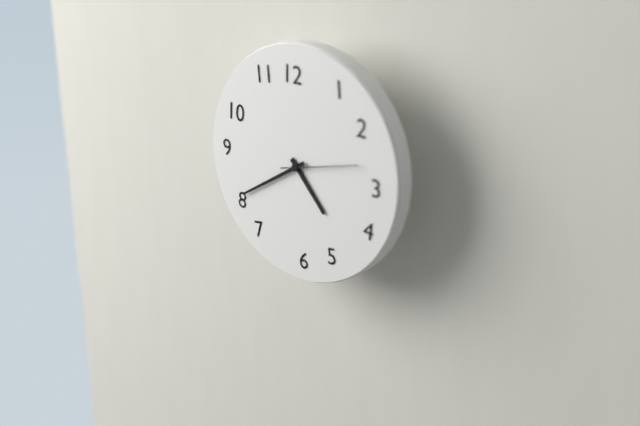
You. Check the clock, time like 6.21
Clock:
4.40
